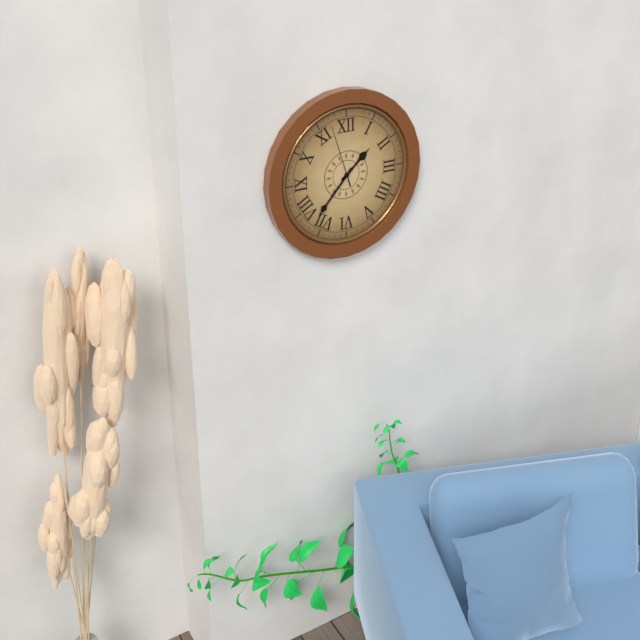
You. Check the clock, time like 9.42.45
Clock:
1.37.57
